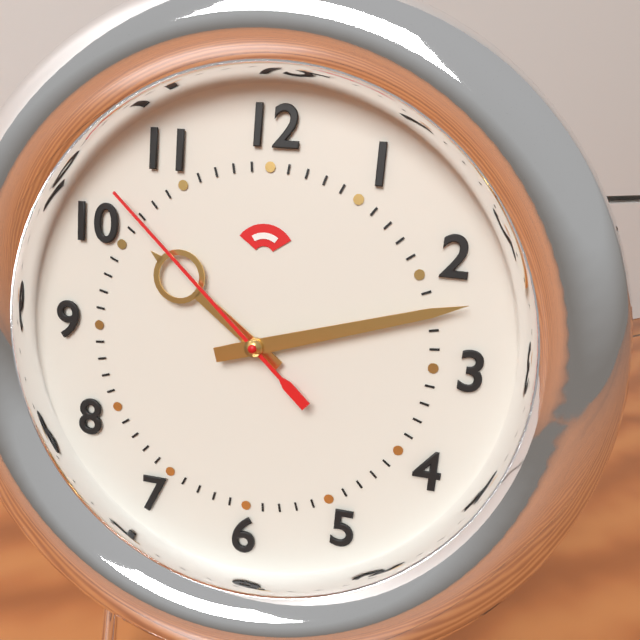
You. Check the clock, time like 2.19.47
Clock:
10.12.52
